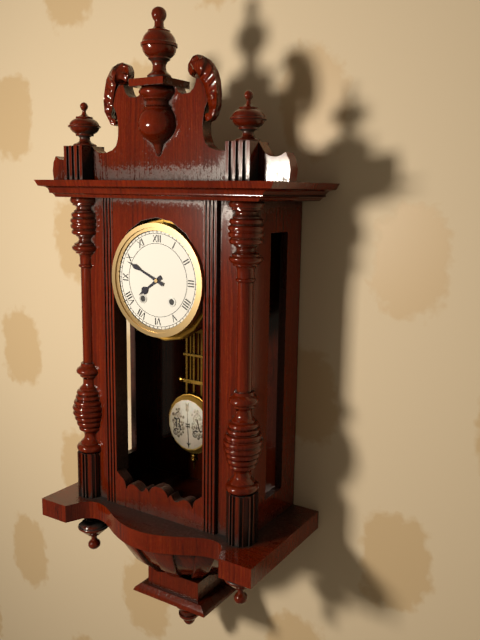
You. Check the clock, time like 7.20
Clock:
7.49
